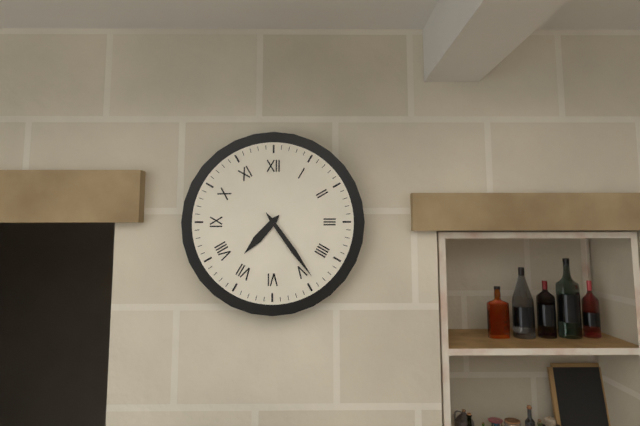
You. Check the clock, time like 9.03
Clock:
7.24
